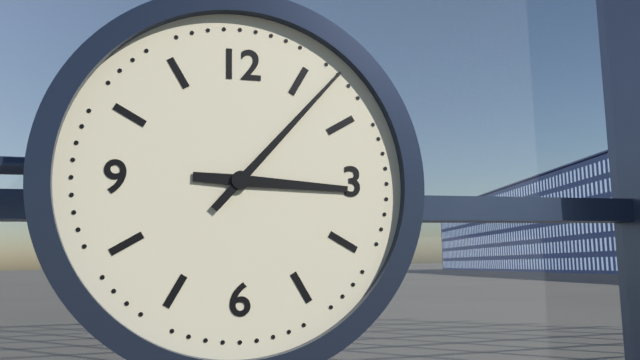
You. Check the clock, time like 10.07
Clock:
3.07
